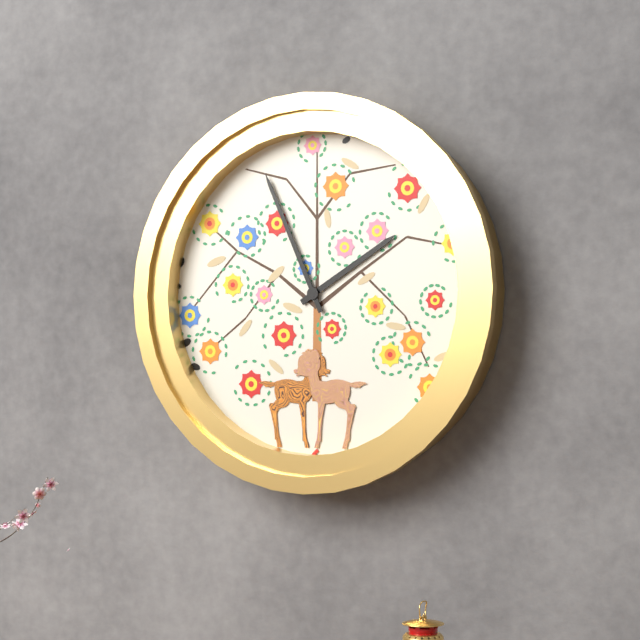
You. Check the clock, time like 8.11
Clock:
1.56
